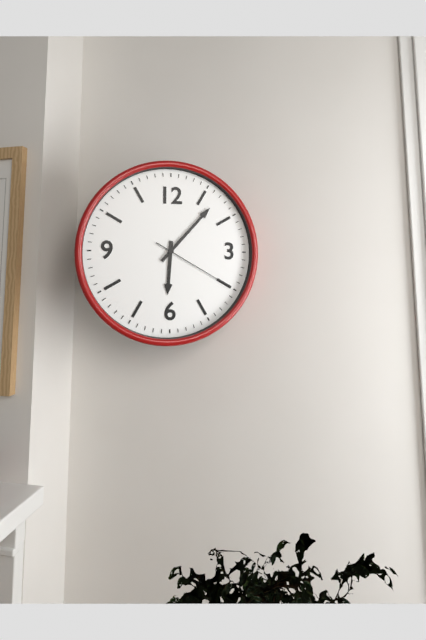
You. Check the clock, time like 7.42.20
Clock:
6.07.20
